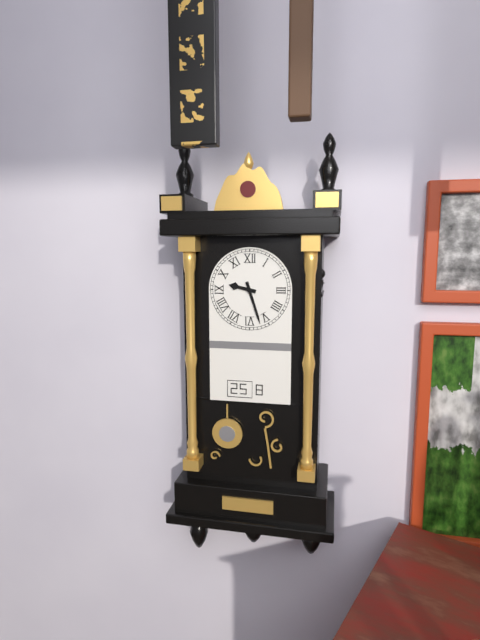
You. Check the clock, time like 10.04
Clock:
9.27
